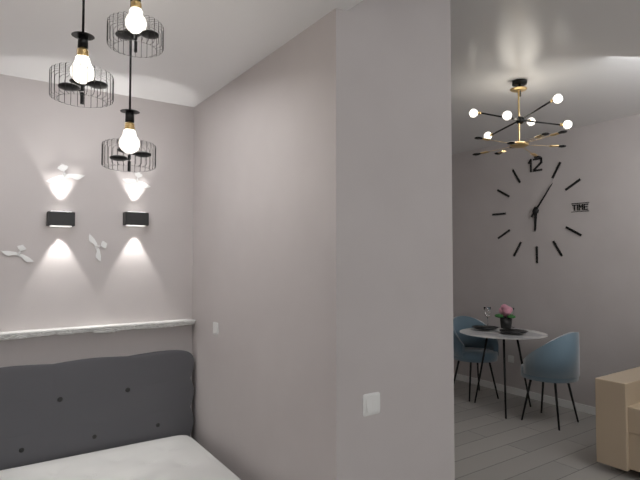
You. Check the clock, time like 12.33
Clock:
6.06
